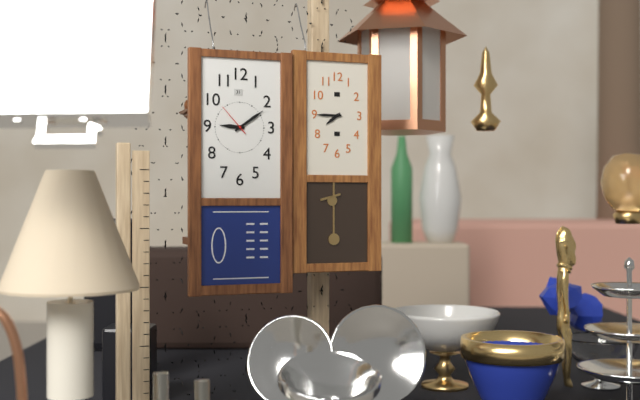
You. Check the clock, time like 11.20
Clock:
9.09
